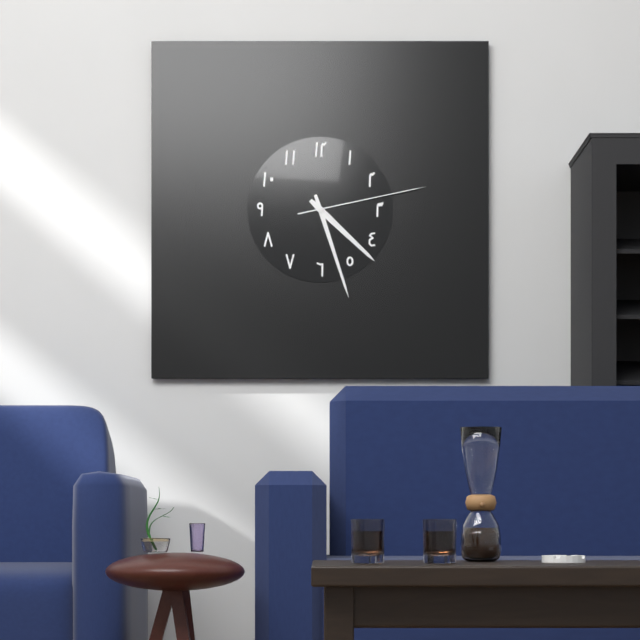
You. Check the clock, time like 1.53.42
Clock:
4.27.13
